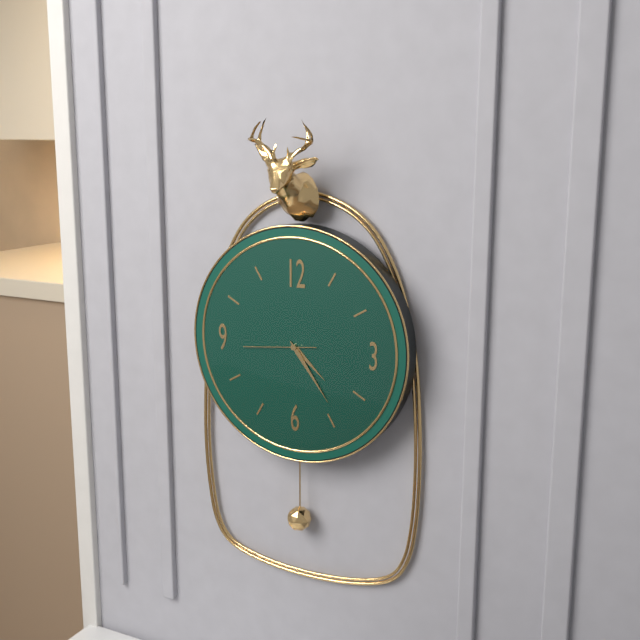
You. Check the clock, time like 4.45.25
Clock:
4.24.44
